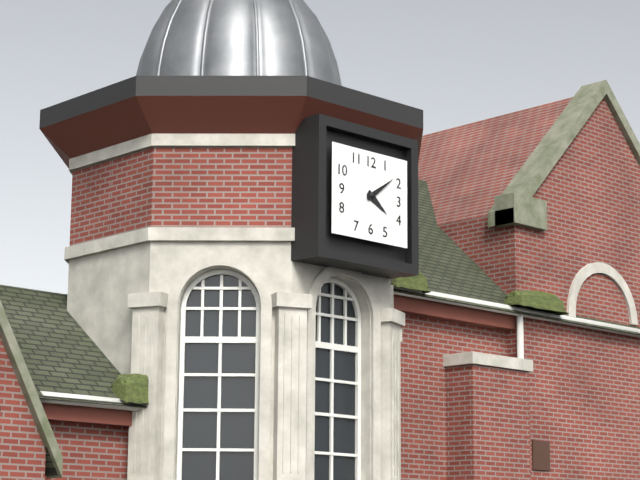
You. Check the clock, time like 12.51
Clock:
4.09
